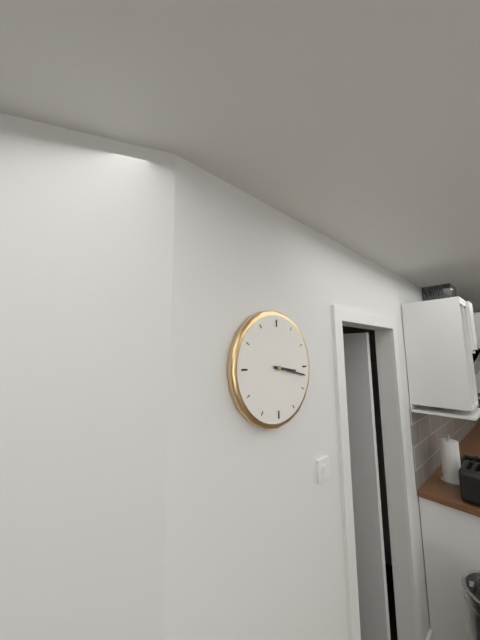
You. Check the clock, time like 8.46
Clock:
3.17
